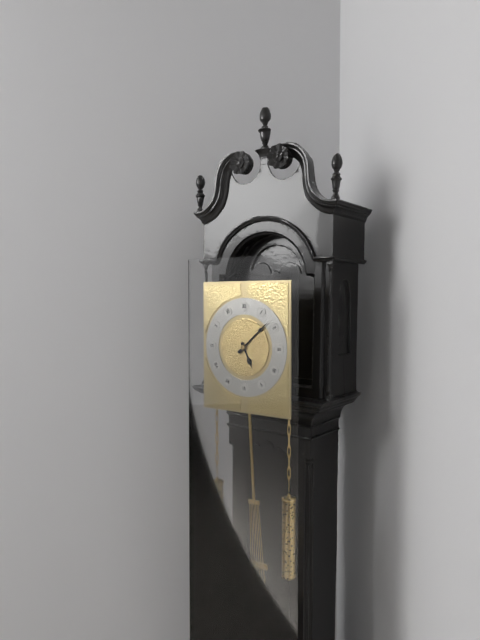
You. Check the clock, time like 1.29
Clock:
5.08
